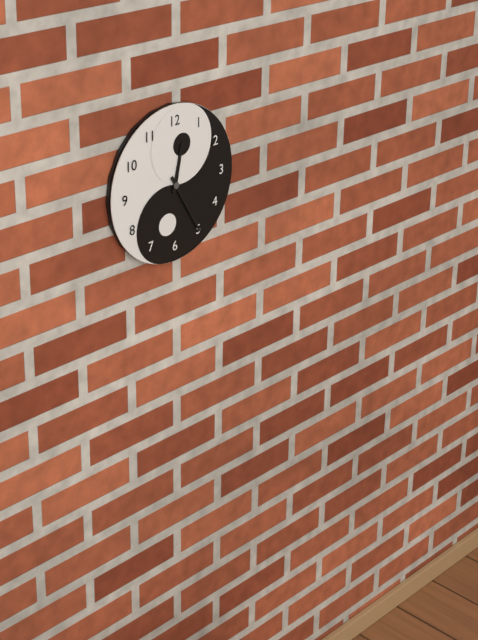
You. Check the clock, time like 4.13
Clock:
12.25
